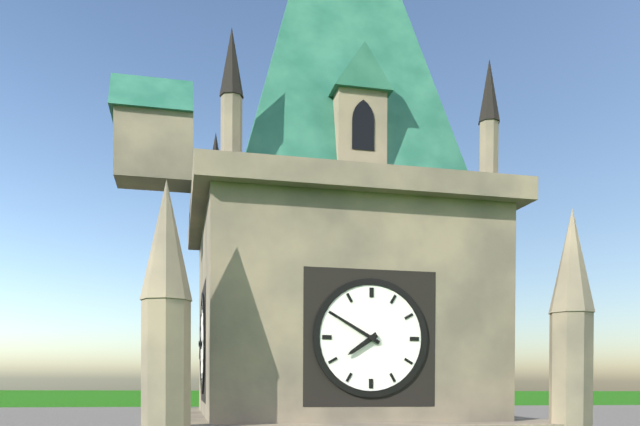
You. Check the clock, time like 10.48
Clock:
7.50
